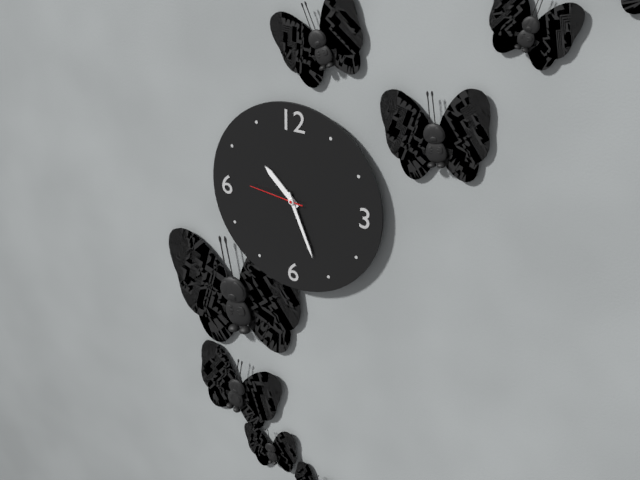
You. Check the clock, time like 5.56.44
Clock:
10.26.46
